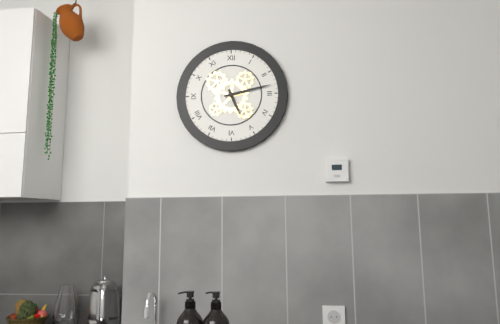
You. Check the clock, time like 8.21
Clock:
5.13
